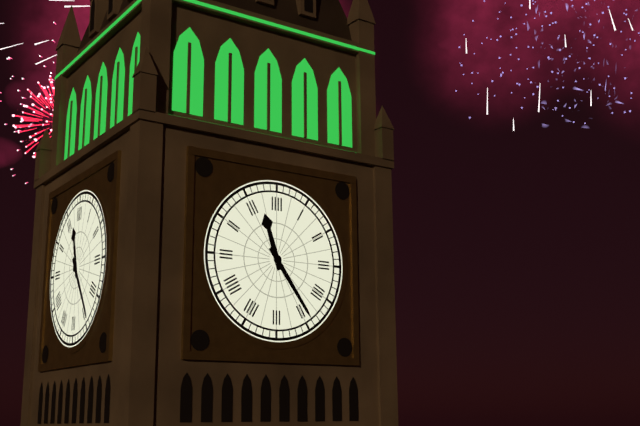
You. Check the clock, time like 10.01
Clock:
11.24
